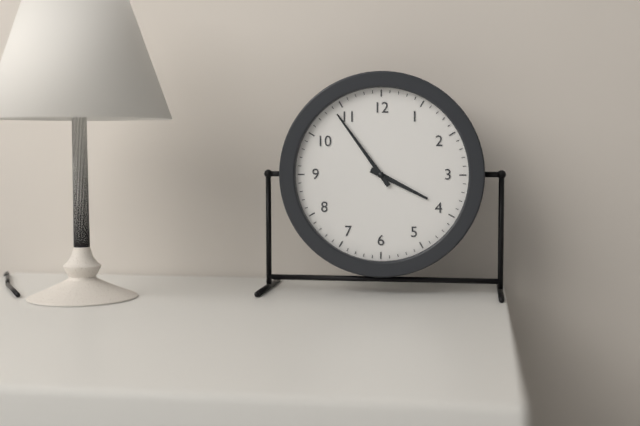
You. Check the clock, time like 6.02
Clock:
3.54
